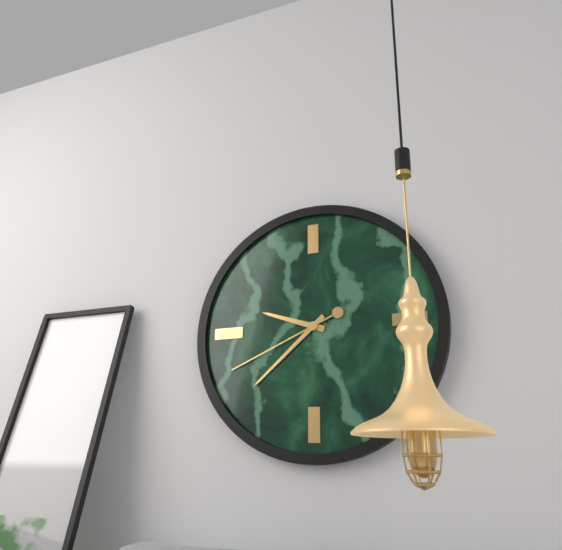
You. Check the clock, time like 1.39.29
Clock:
9.38.41
